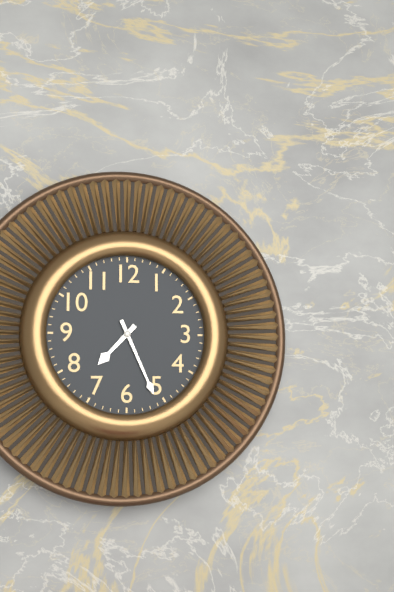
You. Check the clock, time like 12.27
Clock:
7.26
